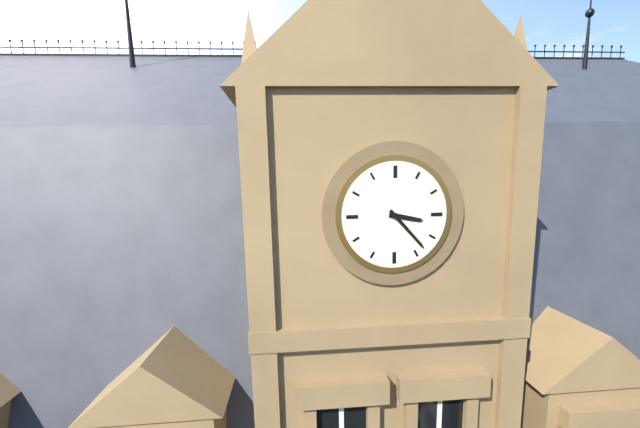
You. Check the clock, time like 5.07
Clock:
3.23
